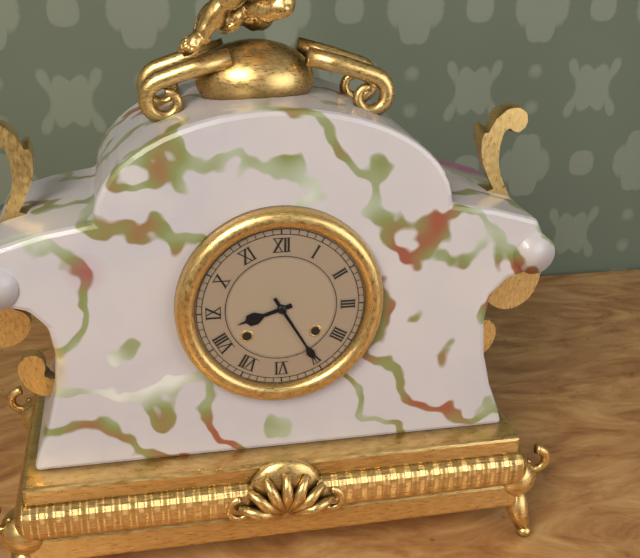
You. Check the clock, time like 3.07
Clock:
8.25
